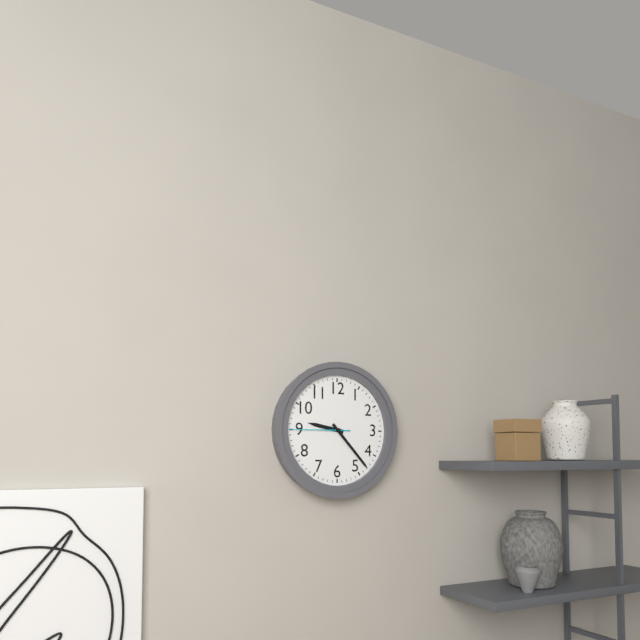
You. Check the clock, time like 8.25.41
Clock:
9.23.45
